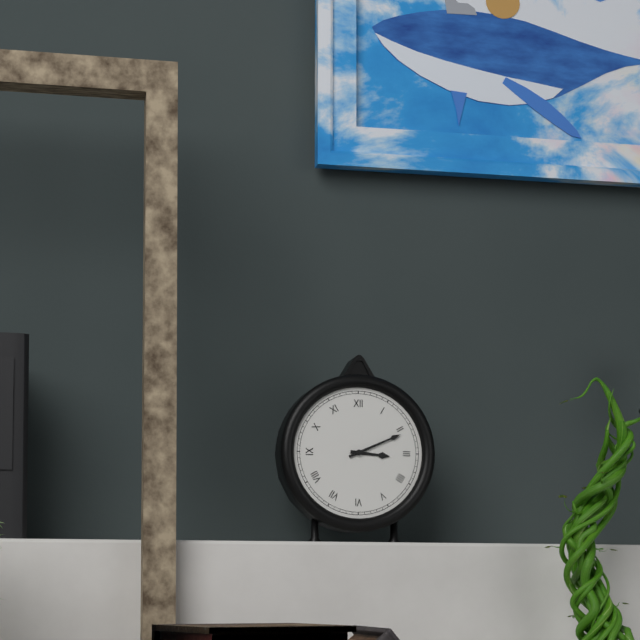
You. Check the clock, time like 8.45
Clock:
3.11
